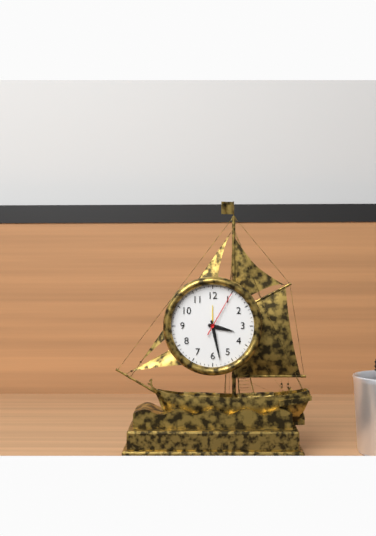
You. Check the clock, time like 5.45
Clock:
3.28
